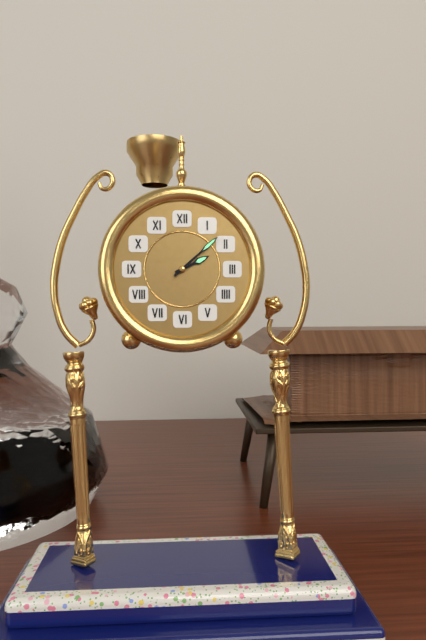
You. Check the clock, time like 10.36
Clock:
2.08
